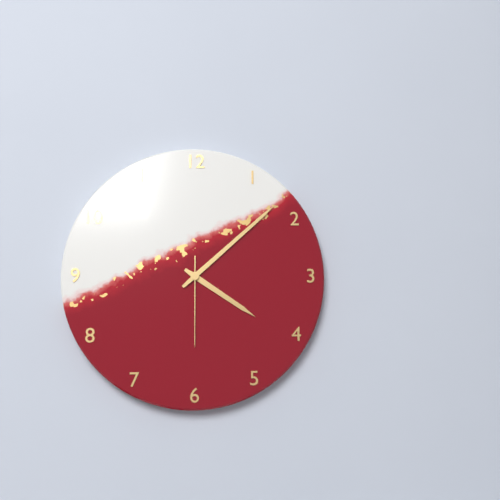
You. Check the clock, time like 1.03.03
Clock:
4.08.30
